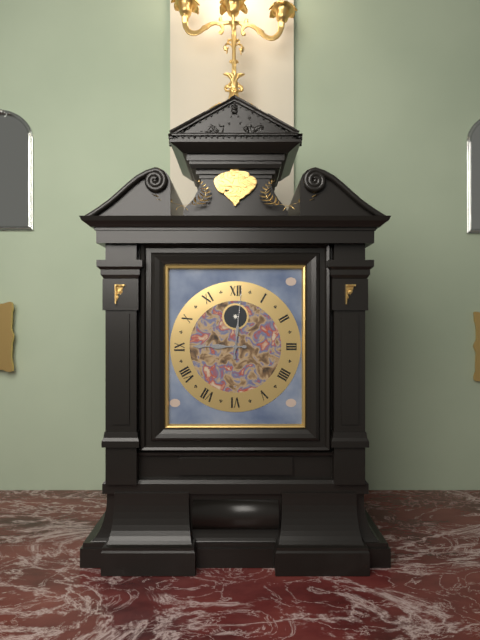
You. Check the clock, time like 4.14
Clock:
9.01
